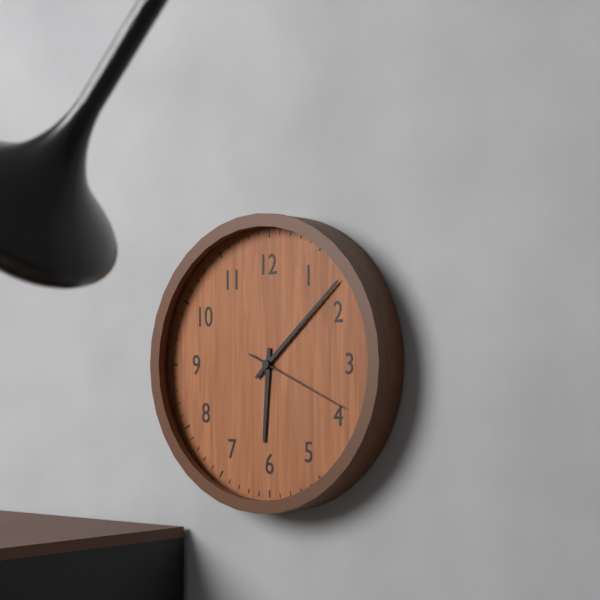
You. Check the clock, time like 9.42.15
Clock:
6.08.19
